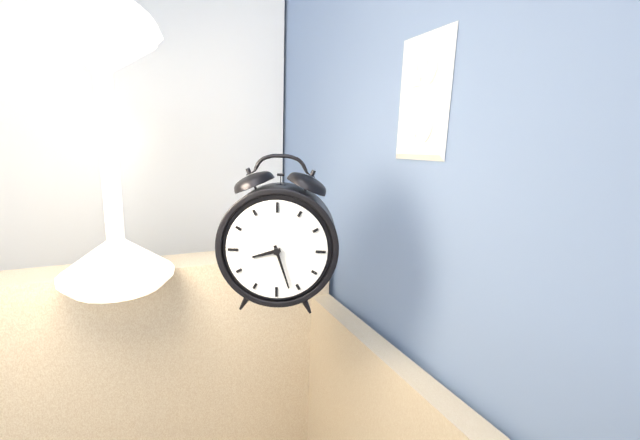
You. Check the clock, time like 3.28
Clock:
8.27
